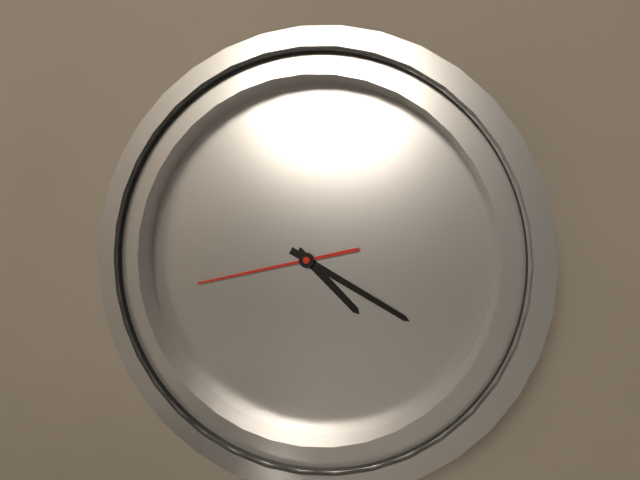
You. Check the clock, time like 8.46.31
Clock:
4.19.42
